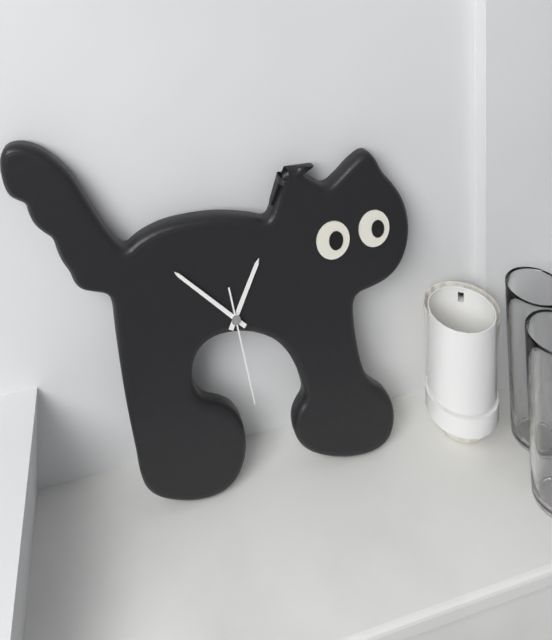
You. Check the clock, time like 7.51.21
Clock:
12.52.28
